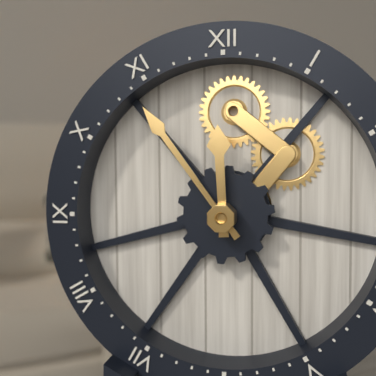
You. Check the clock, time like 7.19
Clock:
11.54
